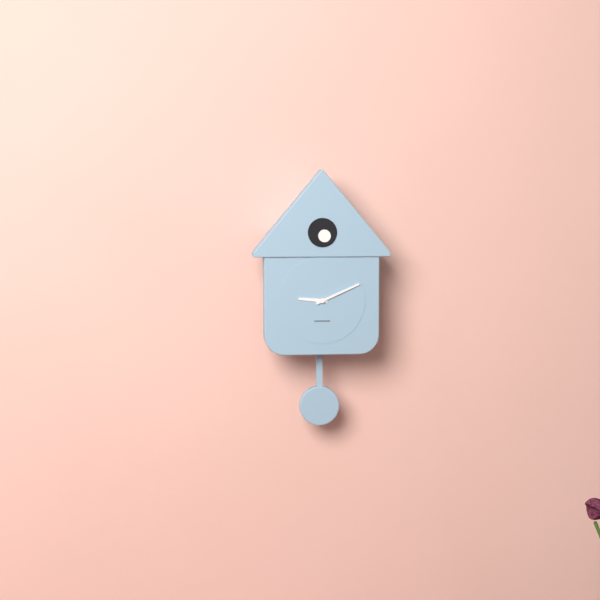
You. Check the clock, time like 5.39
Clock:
9.11
